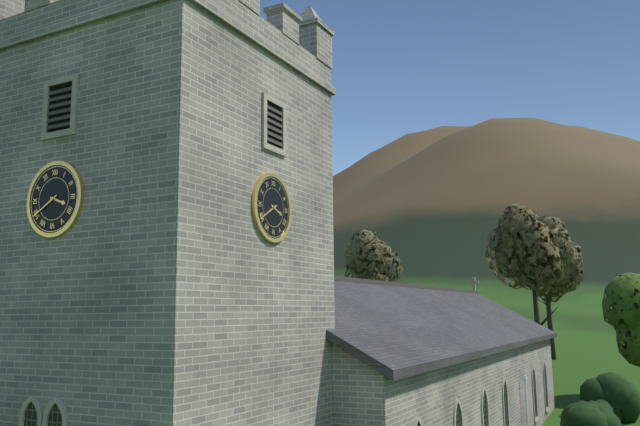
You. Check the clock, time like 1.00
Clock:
3.40
